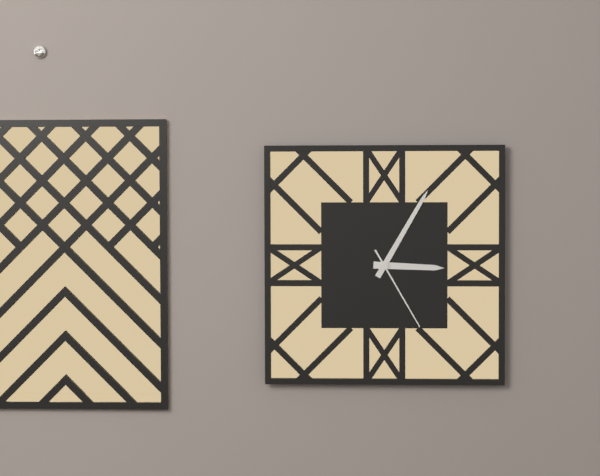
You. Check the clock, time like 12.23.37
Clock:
3.05.25
